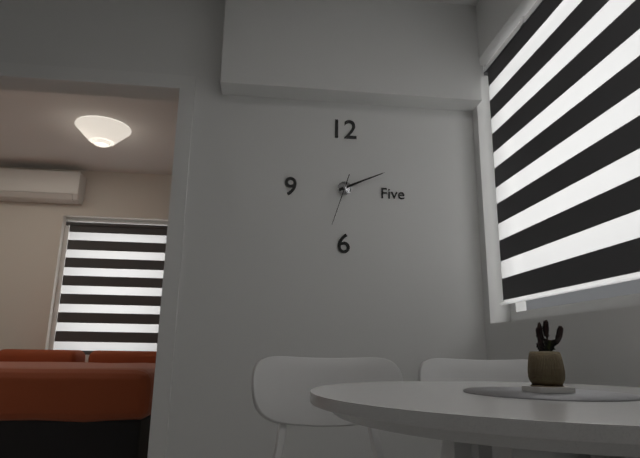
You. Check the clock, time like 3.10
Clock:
2.11
